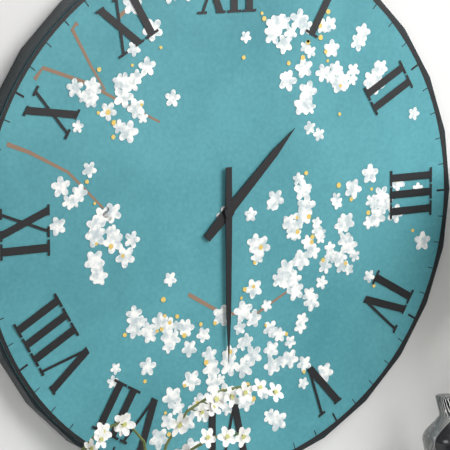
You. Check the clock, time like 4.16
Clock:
1.30
